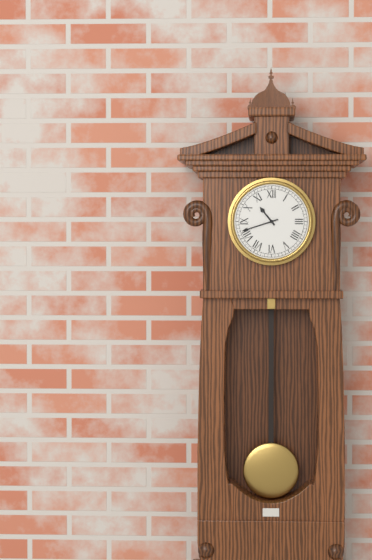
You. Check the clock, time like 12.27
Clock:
10.42
